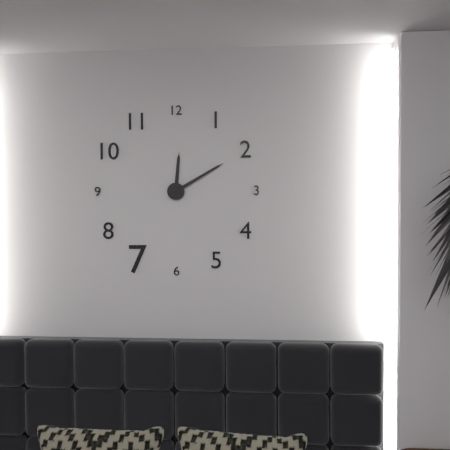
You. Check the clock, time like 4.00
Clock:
12.10
